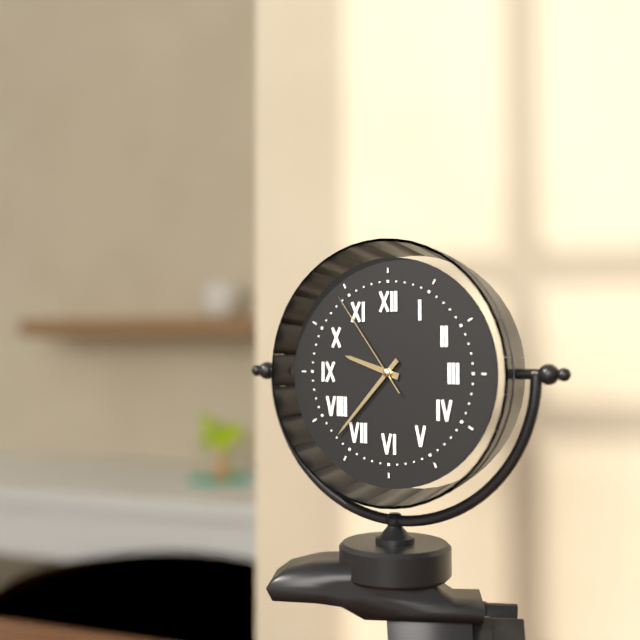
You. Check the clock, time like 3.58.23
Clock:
9.37.54
